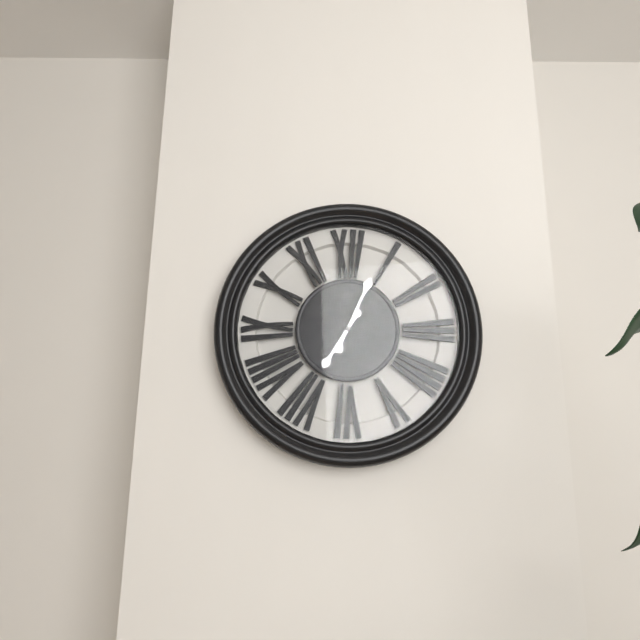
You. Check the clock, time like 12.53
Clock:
7.04
